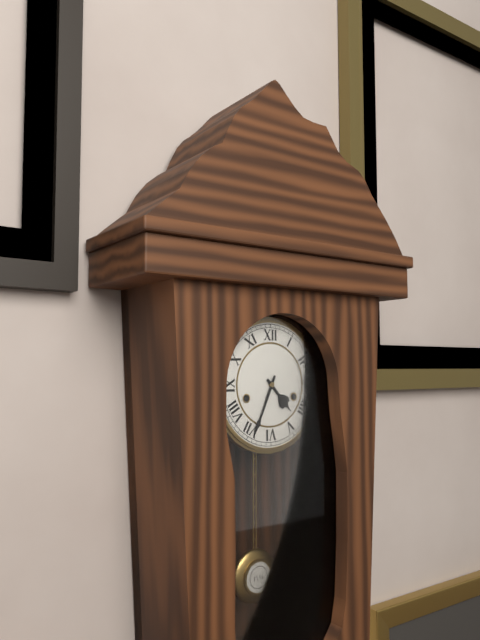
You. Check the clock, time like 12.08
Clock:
4.34
